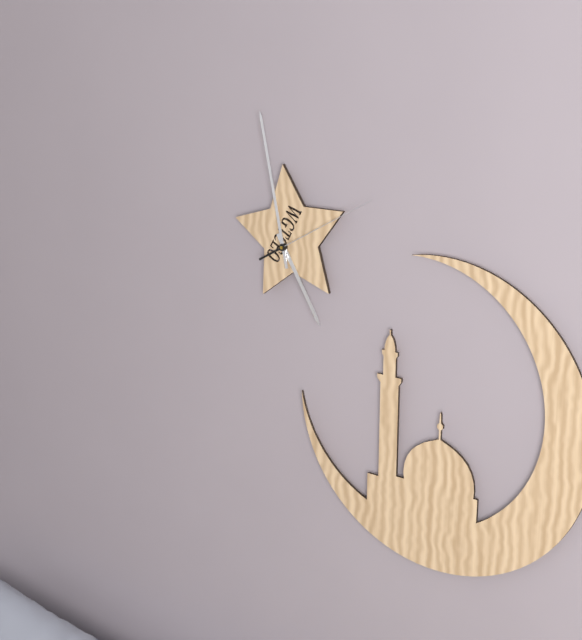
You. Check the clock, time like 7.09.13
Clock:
4.58.10
